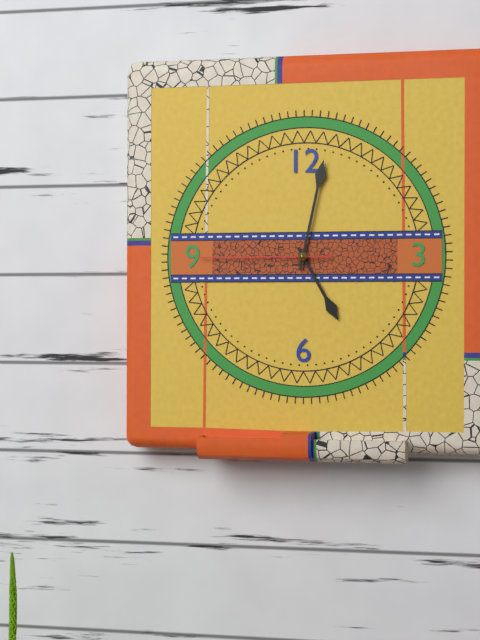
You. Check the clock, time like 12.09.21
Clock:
5.02.45
